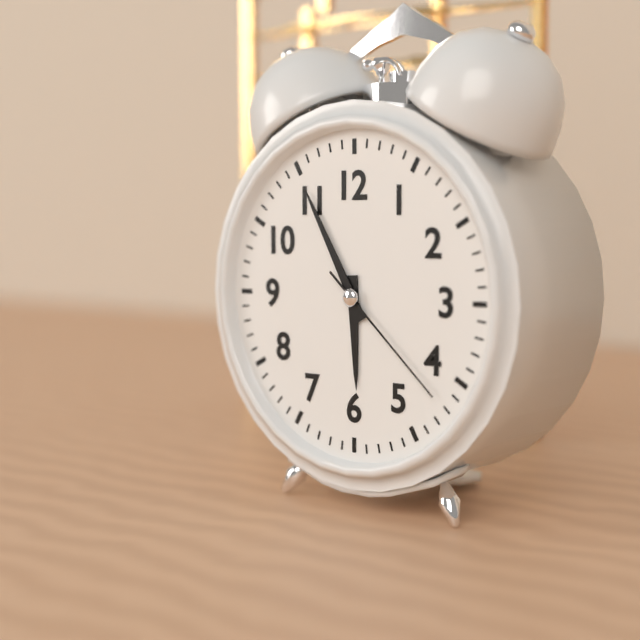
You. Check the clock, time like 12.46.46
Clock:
5.55.22
